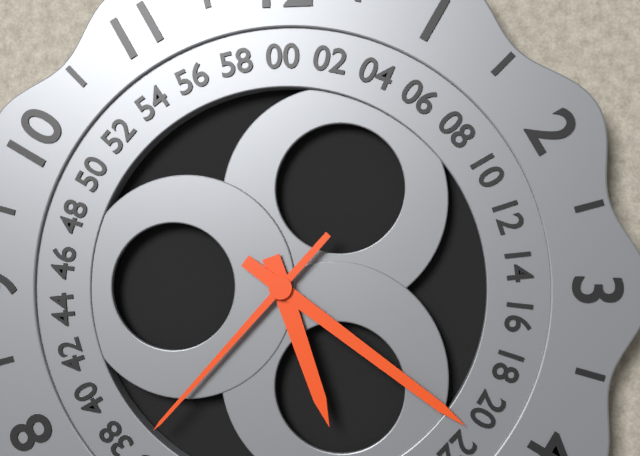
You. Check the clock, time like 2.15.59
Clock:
5.21.37
